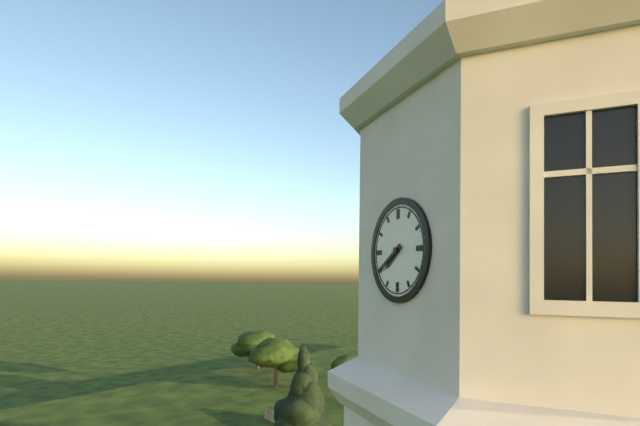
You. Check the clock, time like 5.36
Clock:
7.40
